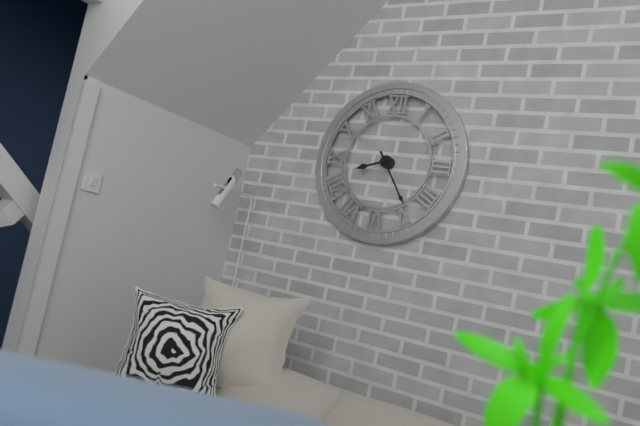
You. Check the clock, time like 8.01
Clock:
8.24
